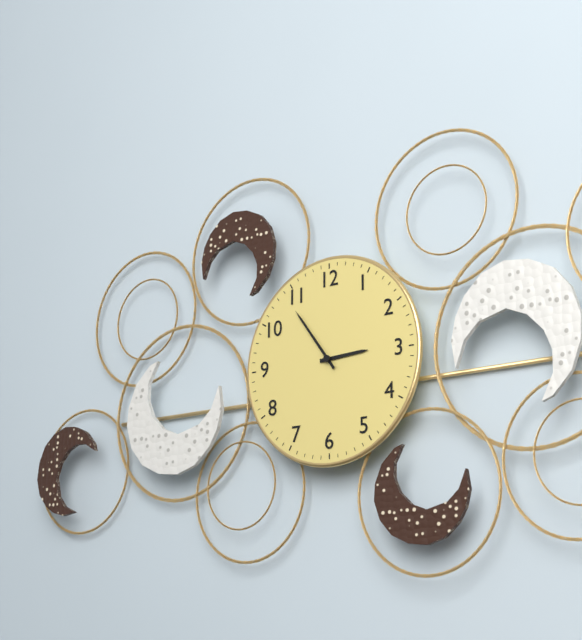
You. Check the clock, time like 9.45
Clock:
2.54
